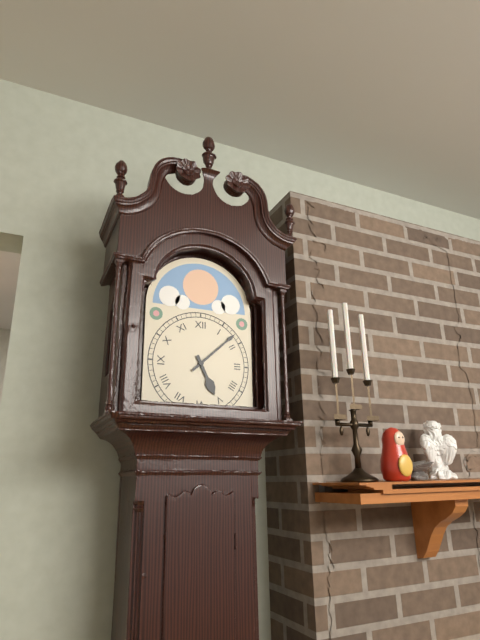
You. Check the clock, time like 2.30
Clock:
5.08
